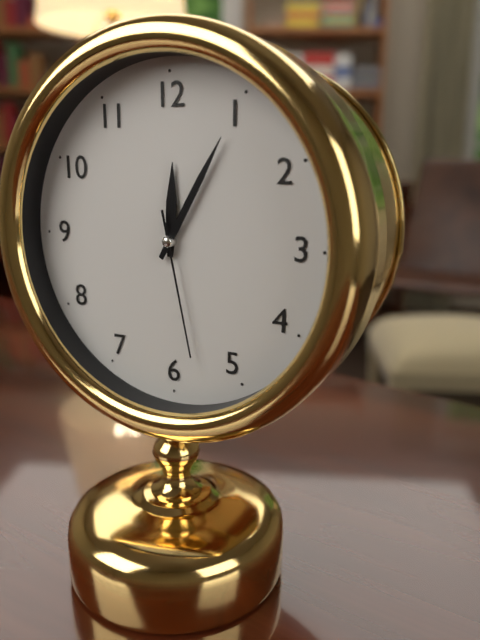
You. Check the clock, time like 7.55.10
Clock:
12.05.28
